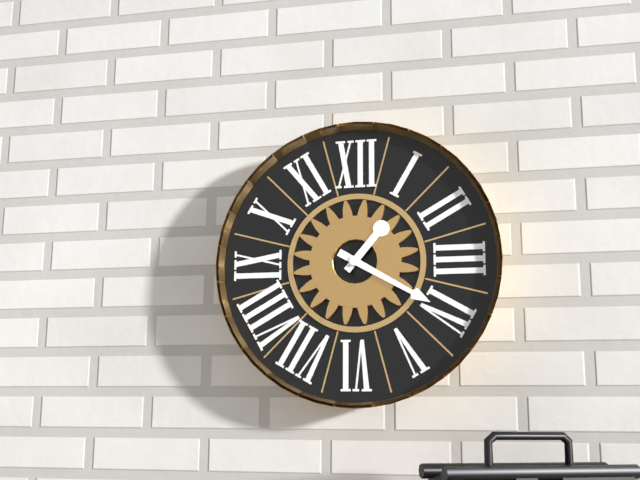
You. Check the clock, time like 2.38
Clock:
1.20
